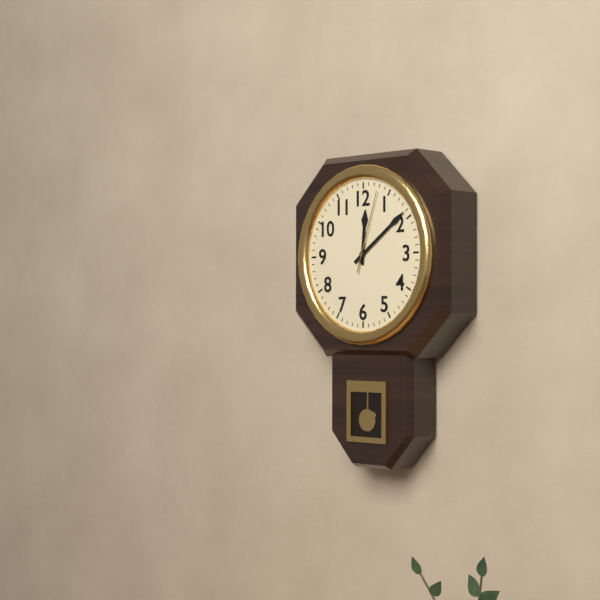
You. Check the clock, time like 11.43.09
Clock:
12.09.03
